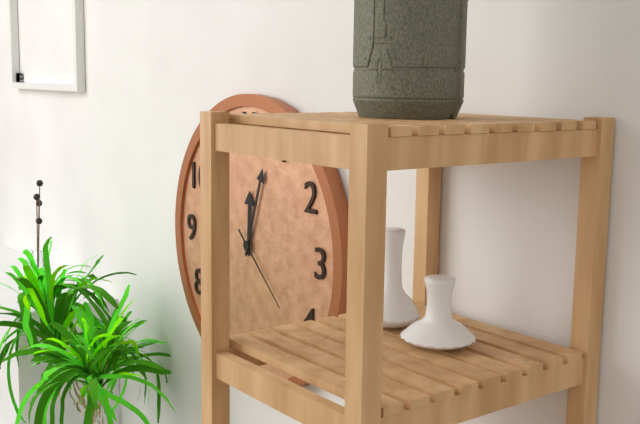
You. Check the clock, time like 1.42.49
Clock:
12.03.22
